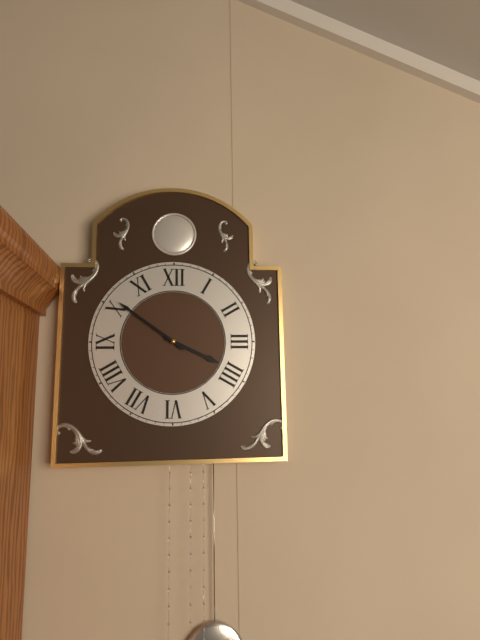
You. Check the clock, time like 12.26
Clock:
3.51
